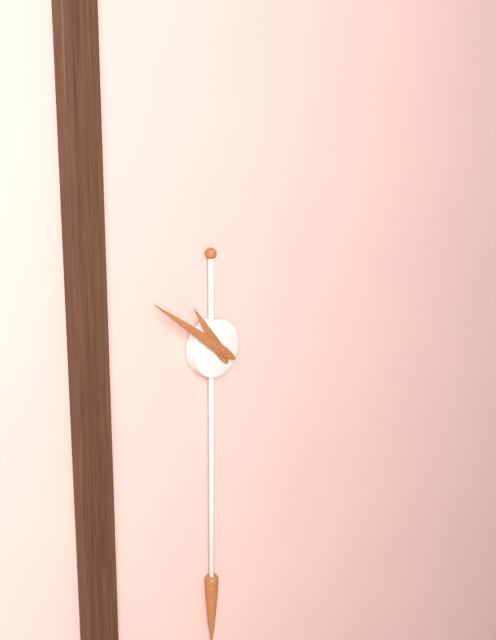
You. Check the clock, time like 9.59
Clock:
10.51
